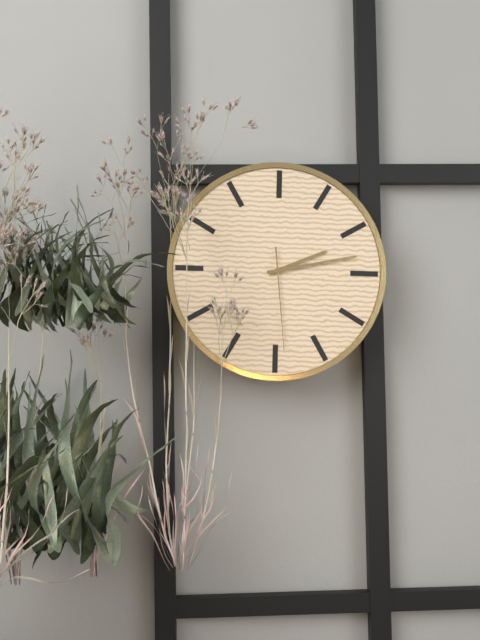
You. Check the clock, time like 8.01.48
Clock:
2.13.29
